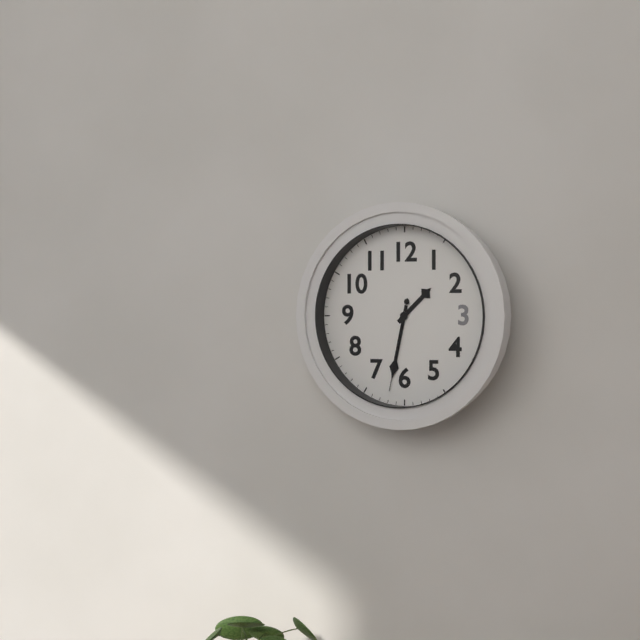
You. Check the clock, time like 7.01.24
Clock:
1.32.32
